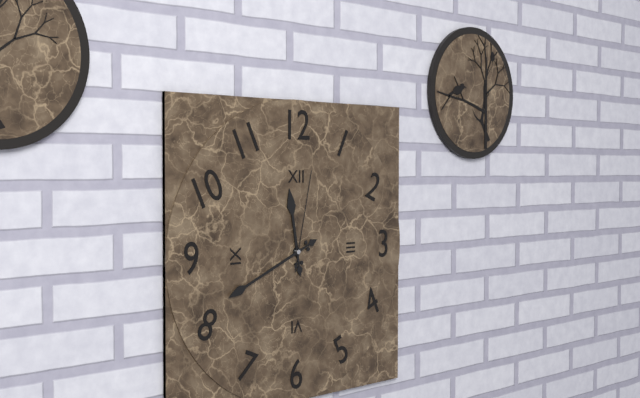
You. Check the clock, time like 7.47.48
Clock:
11.41.02
